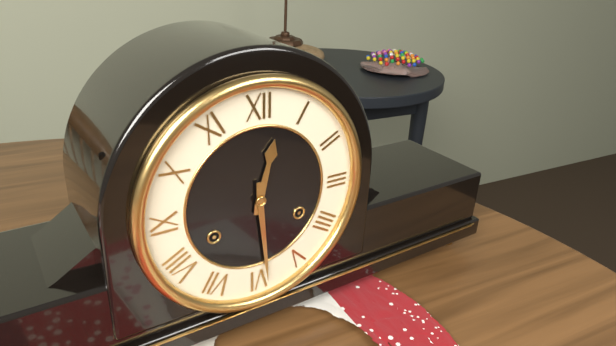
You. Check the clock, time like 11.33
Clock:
12.29
